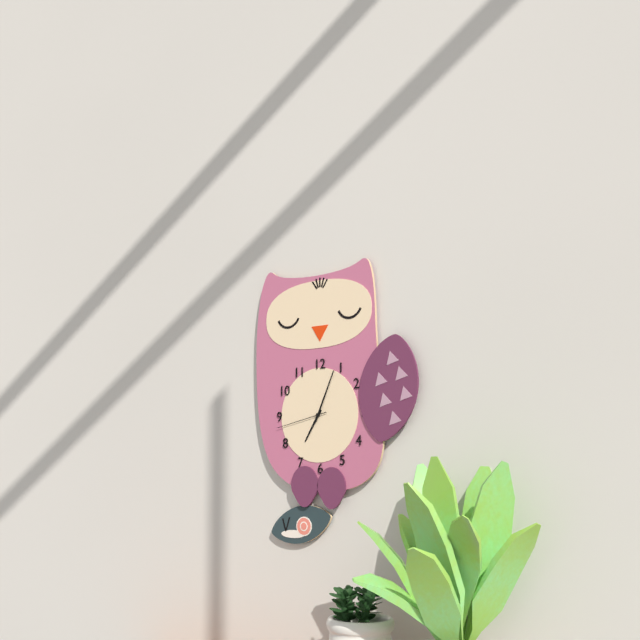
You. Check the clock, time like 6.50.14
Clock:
7.04.43
